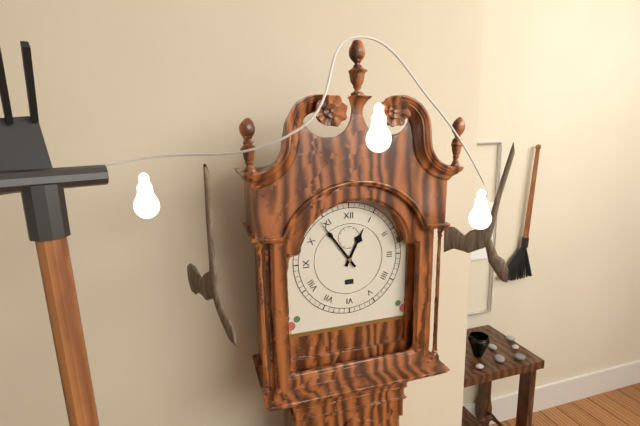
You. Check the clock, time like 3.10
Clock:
12.54
